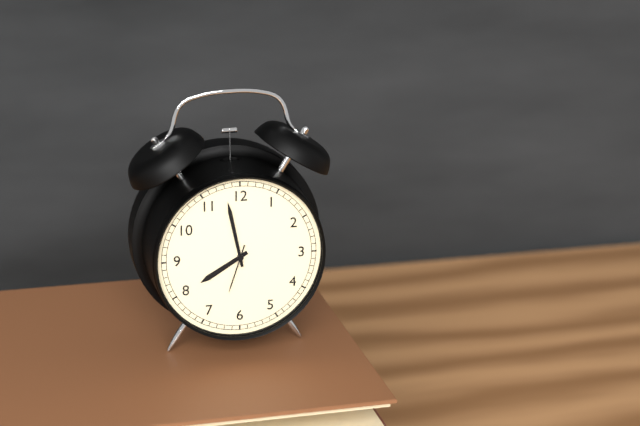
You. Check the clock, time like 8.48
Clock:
7.58
